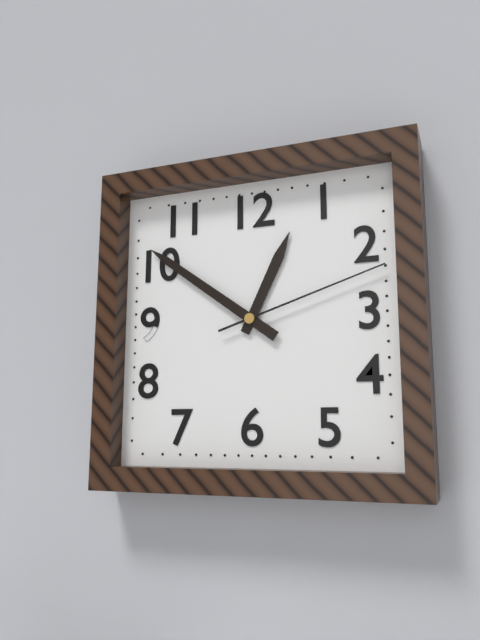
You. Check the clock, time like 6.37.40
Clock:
12.51.12
